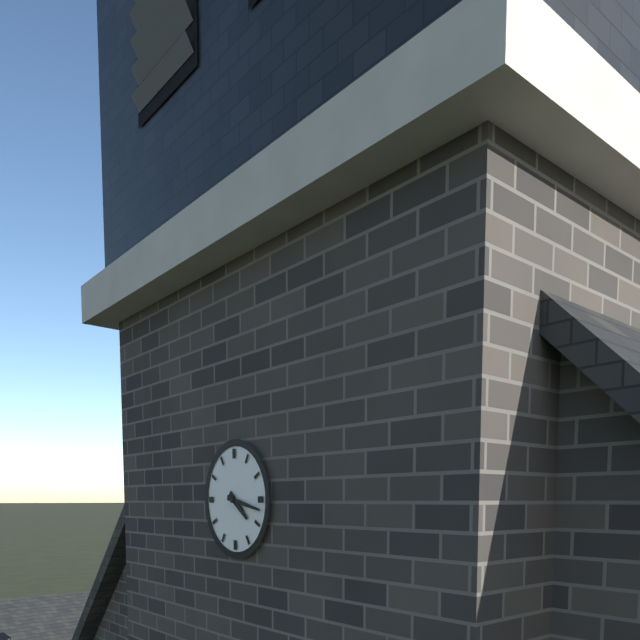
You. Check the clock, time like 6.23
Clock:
4.17
